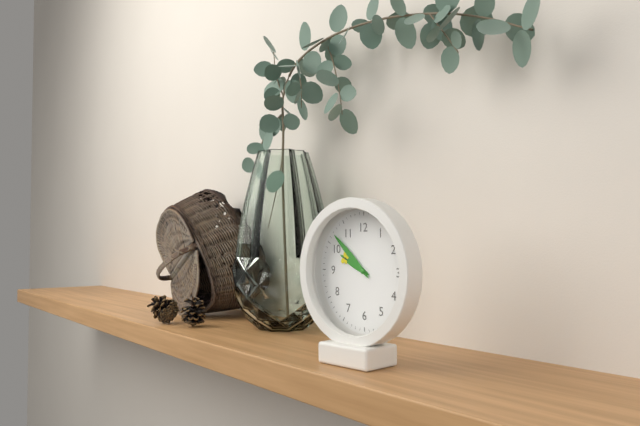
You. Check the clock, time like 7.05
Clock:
9.52
